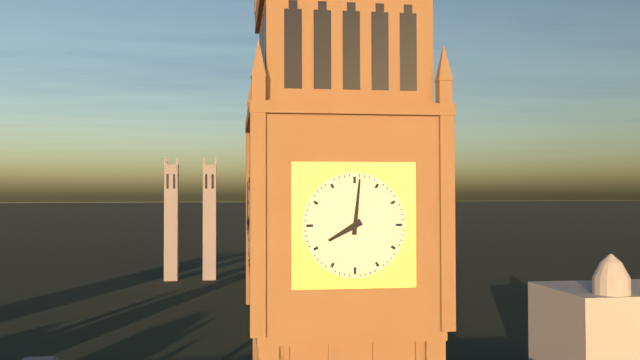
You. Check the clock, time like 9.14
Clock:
8.01
